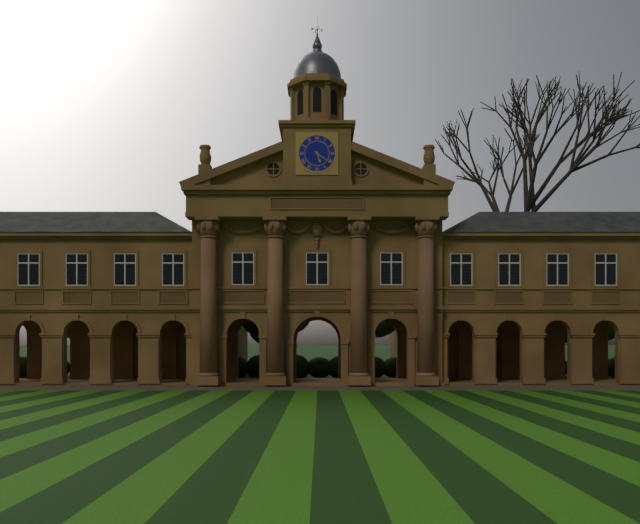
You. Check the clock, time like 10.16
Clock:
5.21
